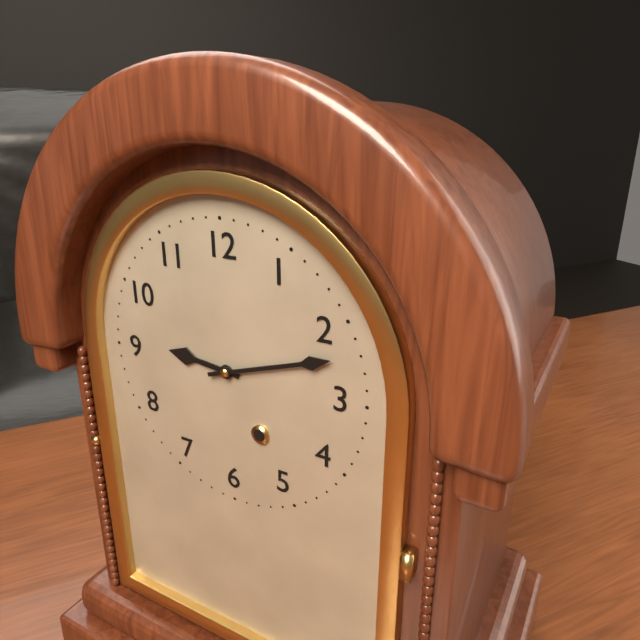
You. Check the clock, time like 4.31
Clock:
9.12
